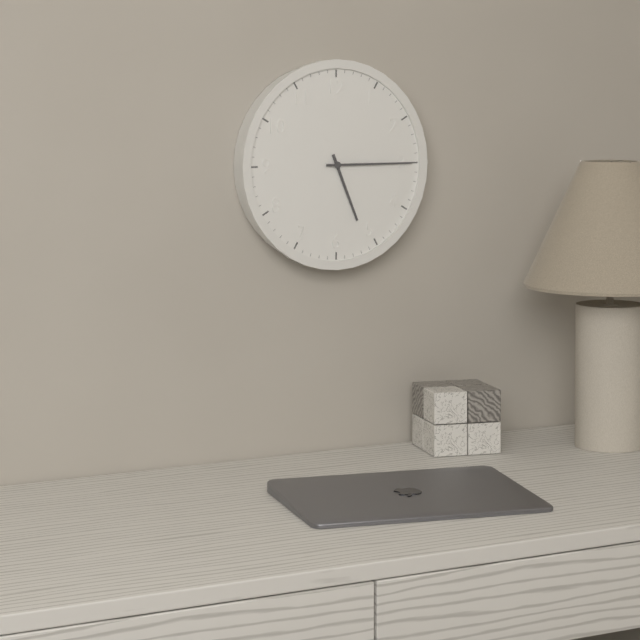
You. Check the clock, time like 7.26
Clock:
5.15
